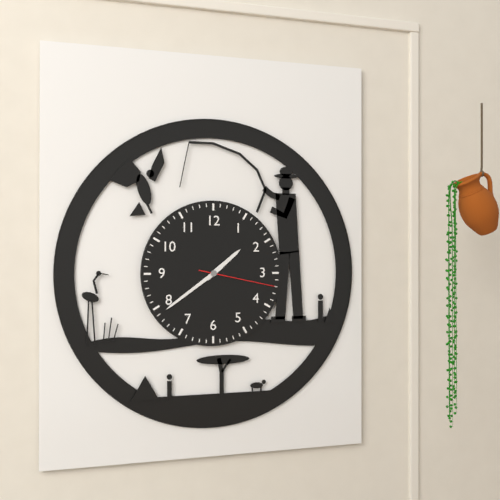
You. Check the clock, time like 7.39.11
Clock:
1.39.17
